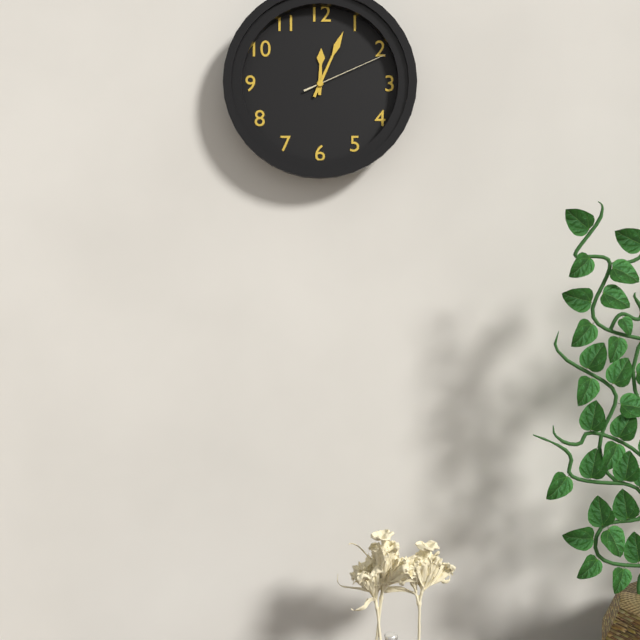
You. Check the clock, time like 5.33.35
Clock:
12.04.11
